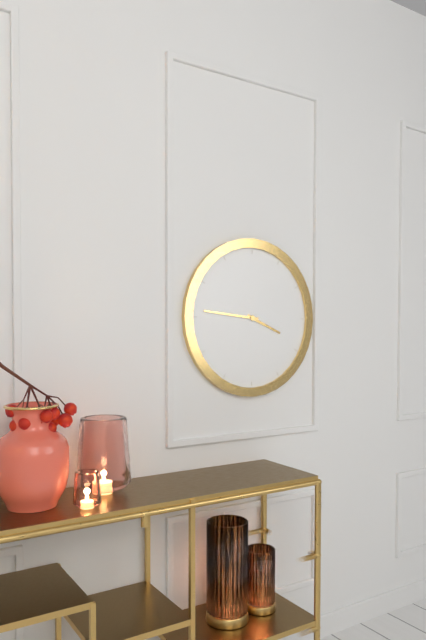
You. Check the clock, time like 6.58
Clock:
3.46
